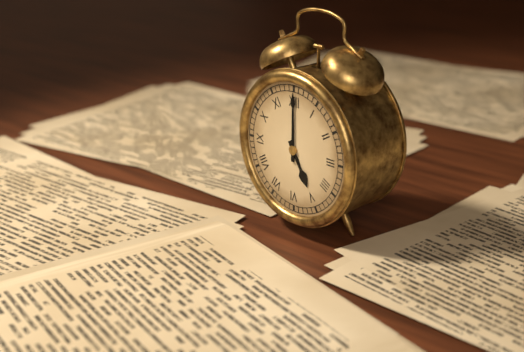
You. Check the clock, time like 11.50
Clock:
5.00
